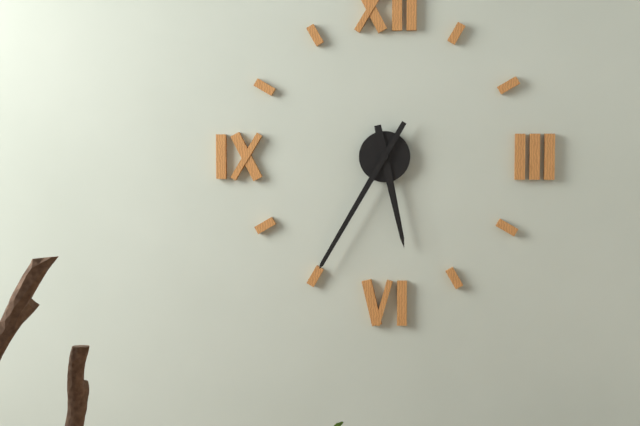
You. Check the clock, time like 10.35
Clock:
5.35
